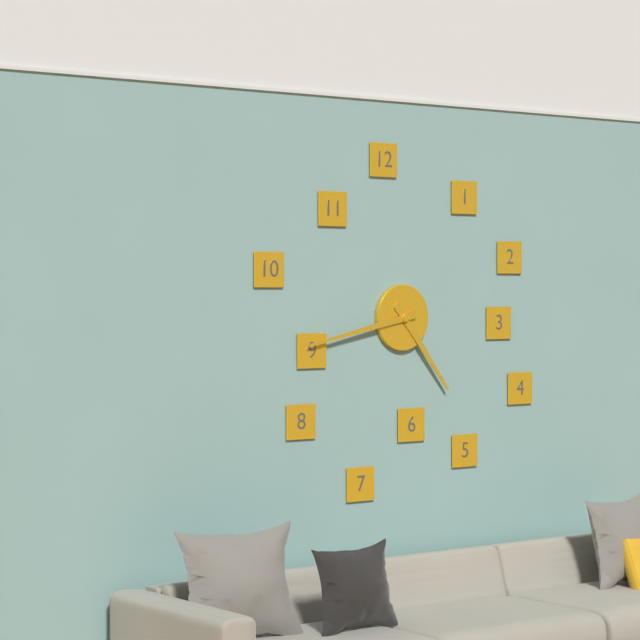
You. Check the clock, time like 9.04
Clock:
4.43
